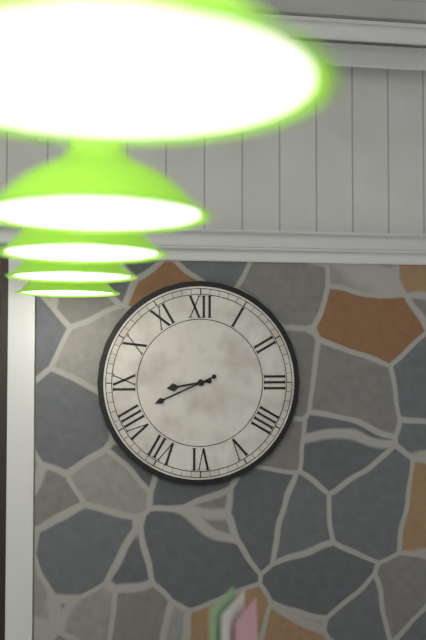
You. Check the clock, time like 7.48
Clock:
8.41
